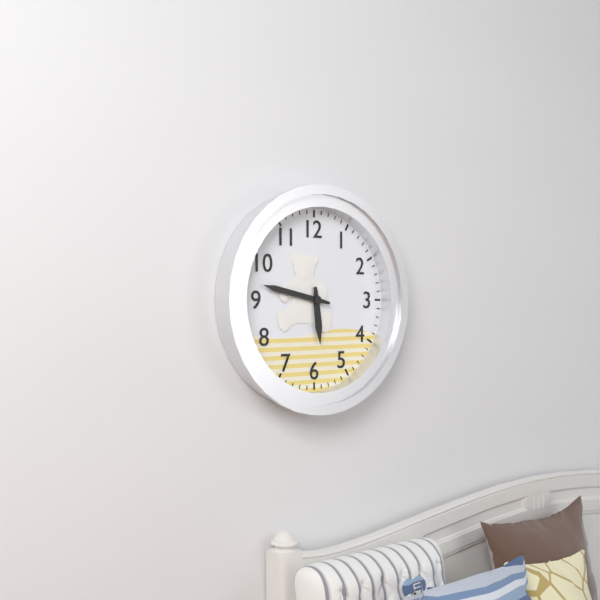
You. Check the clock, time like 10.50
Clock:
5.47
